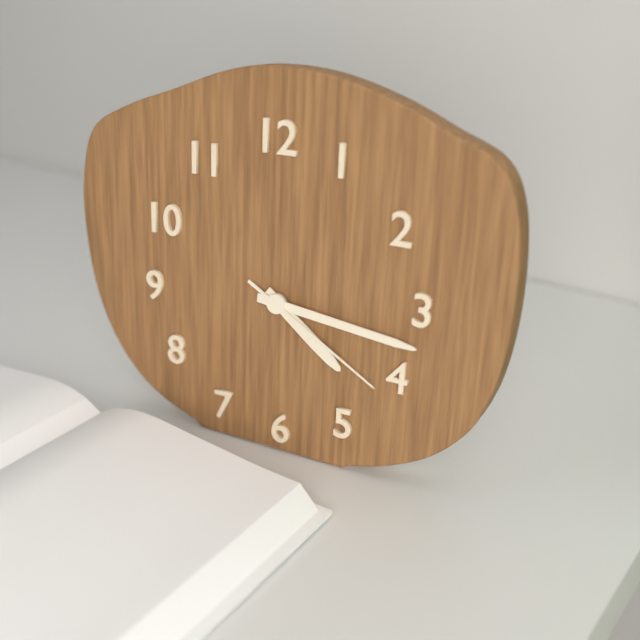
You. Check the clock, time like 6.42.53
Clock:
4.16.20
